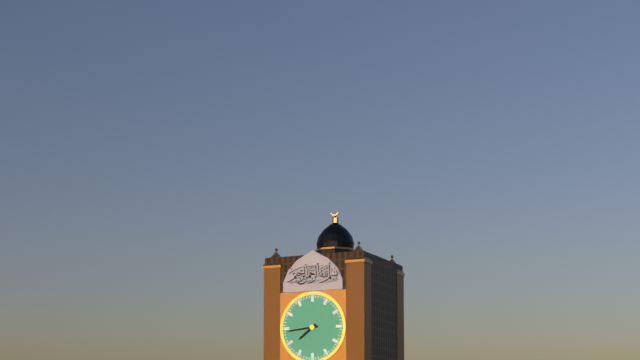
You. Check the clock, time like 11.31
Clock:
7.44
